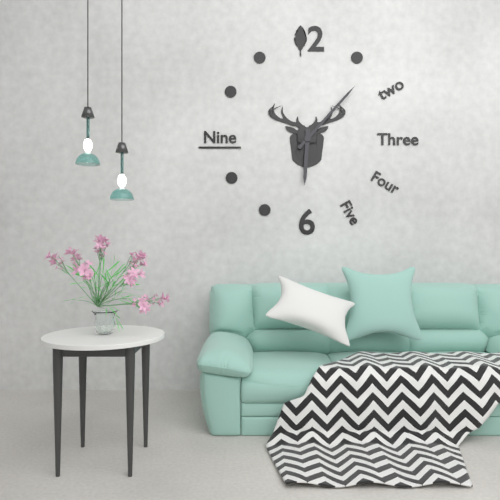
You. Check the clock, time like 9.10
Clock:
6.07
